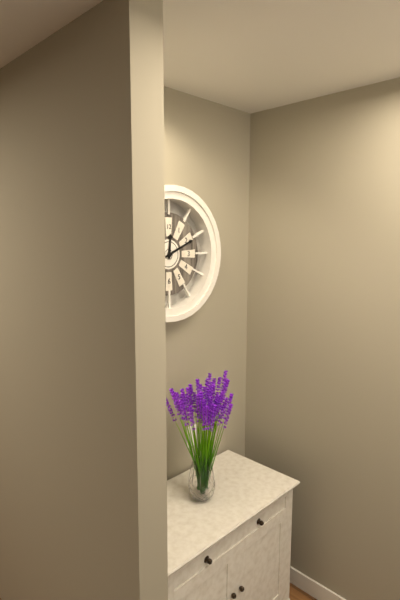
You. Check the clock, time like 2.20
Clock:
12.11
